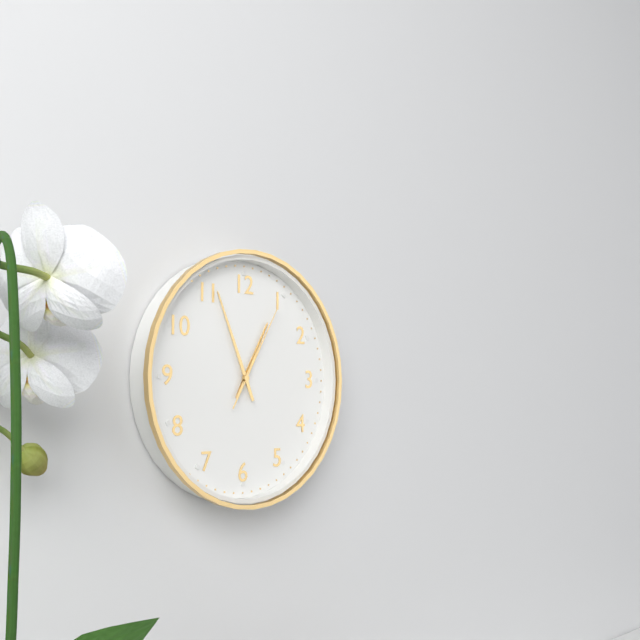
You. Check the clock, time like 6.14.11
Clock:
12.56.05
